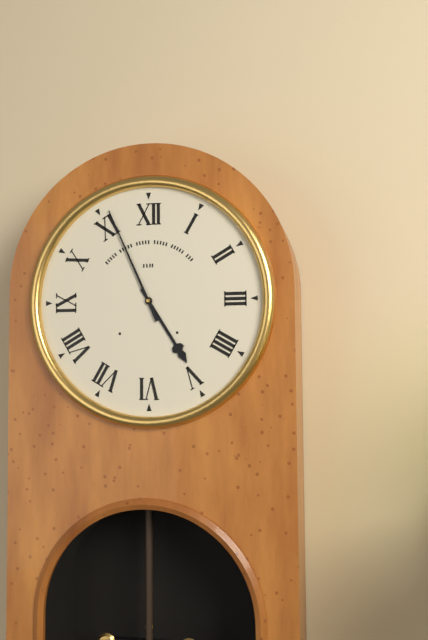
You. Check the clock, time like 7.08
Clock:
4.56
